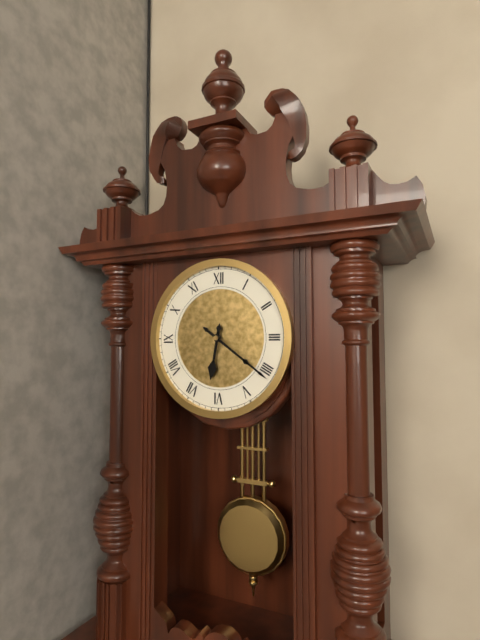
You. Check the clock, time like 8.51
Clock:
6.21
